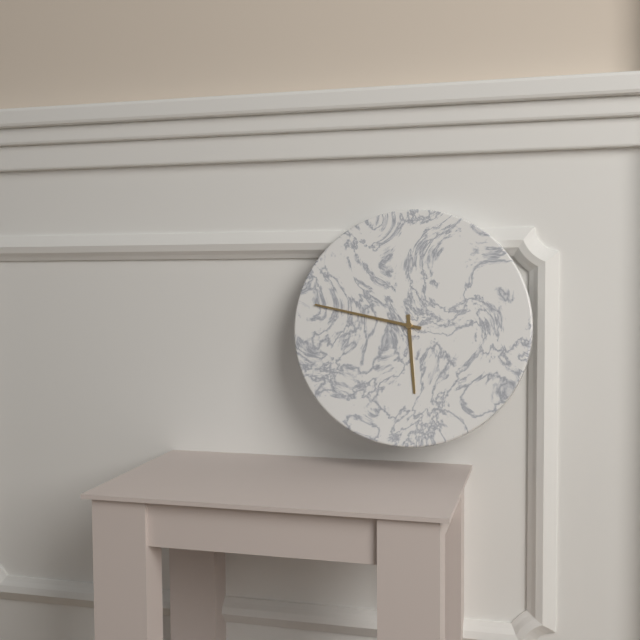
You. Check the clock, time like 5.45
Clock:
5.47
